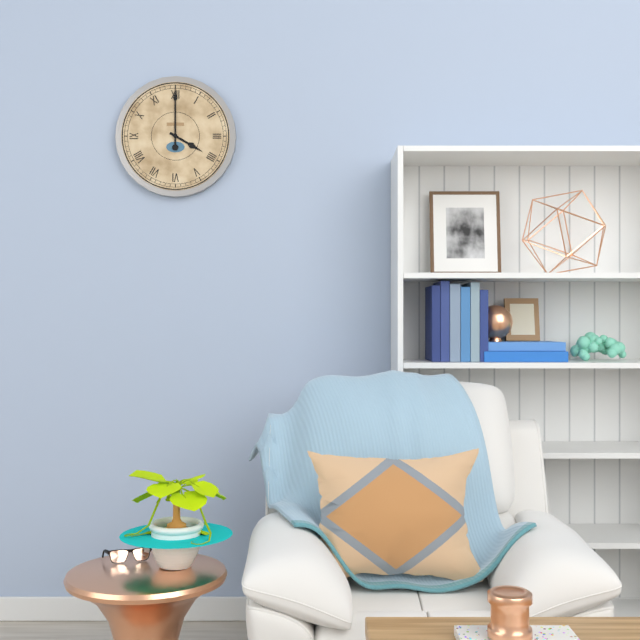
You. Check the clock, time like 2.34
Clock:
4.00
